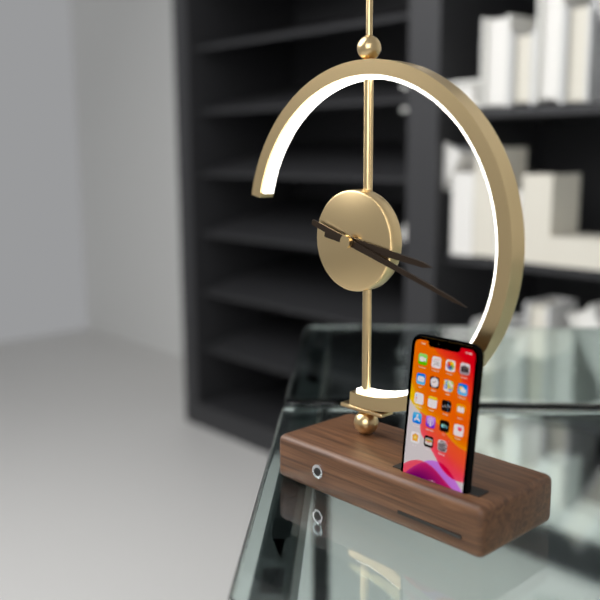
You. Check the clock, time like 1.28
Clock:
3.18
